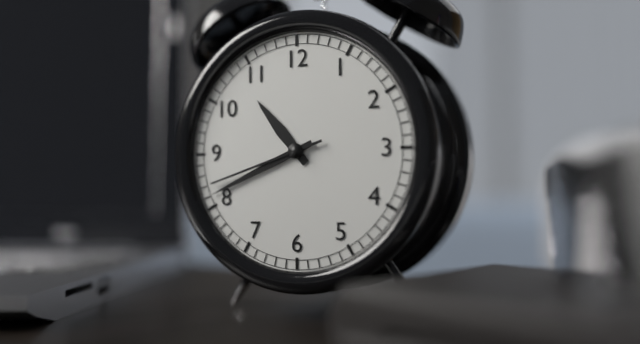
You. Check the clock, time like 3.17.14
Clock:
10.41.42
